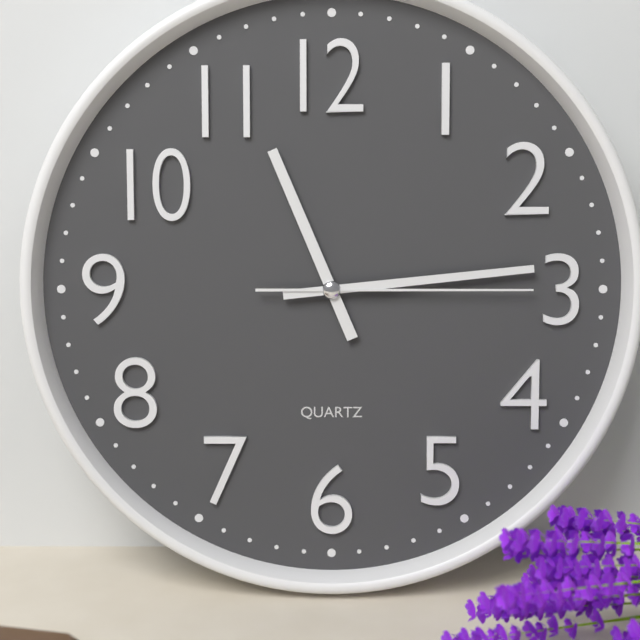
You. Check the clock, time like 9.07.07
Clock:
11.14.15
